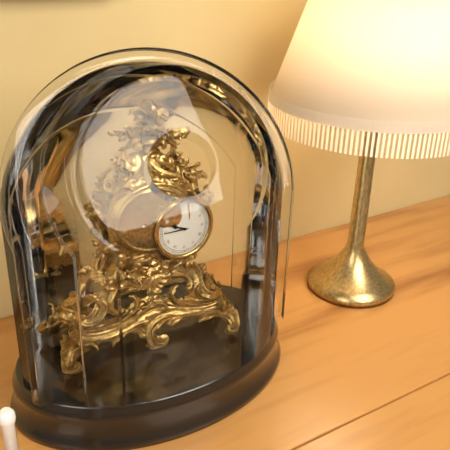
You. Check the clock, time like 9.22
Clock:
9.45
